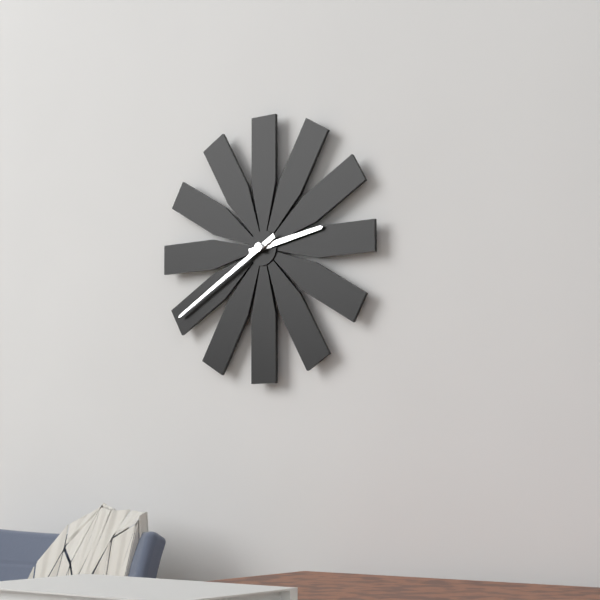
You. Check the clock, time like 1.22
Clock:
2.40
